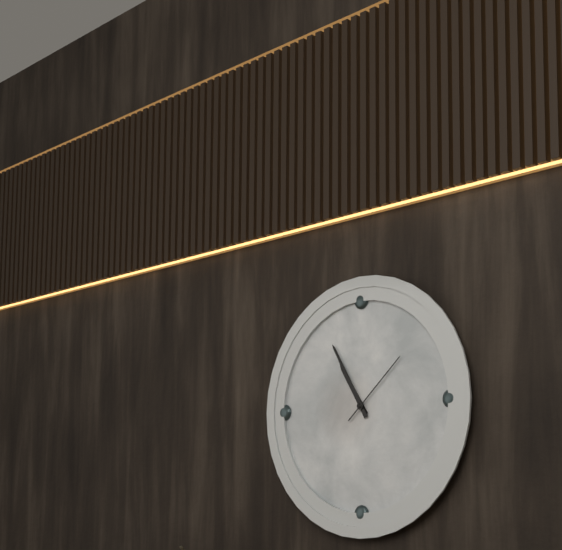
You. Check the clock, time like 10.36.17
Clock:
10.55.08
